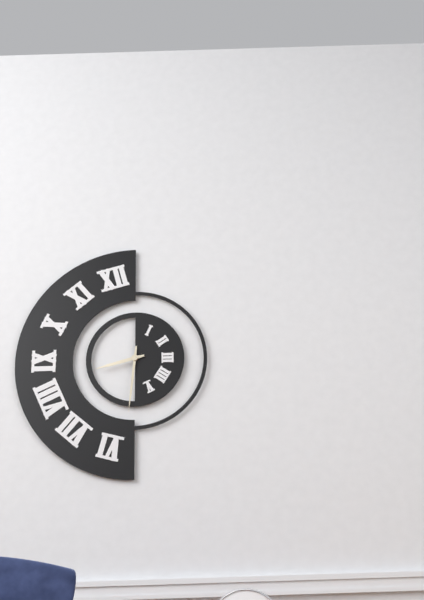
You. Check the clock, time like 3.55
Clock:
8.31
